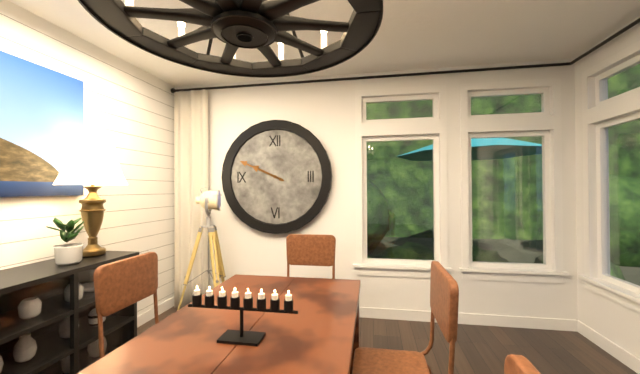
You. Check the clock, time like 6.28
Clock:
9.49
